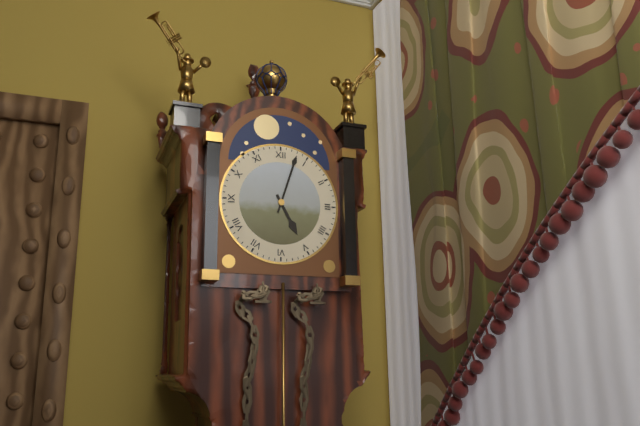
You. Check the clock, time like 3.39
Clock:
5.03
